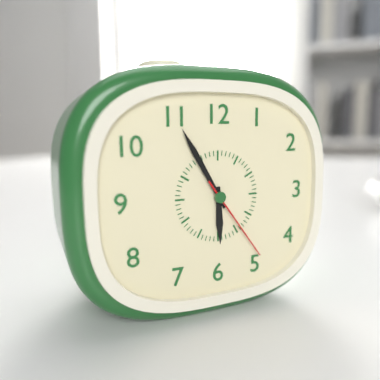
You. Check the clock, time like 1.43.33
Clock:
5.55.24
